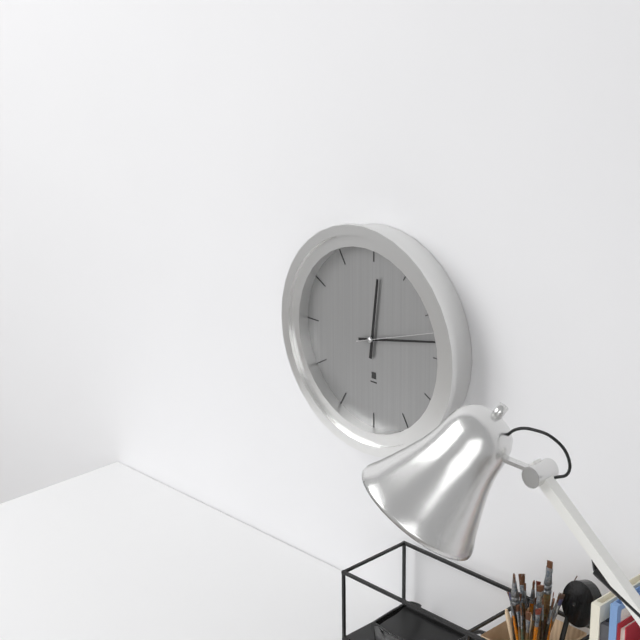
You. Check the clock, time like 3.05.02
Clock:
12.13.12
